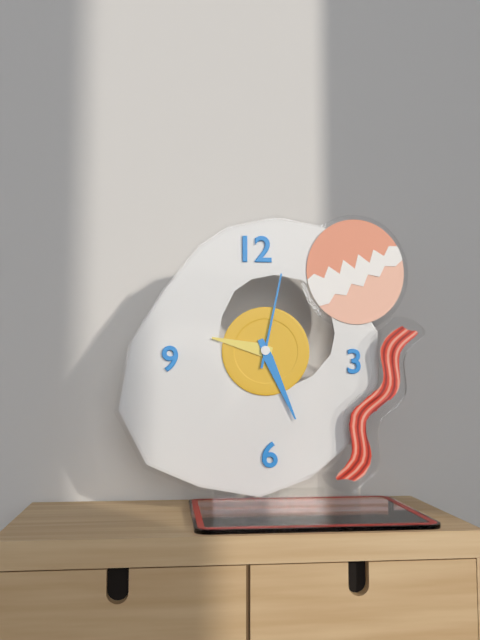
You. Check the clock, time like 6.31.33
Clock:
9.26.02
